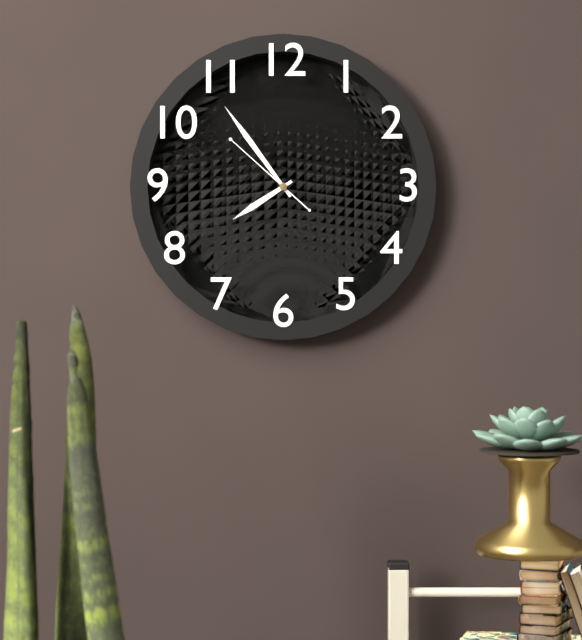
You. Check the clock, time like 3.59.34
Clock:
7.54.52
